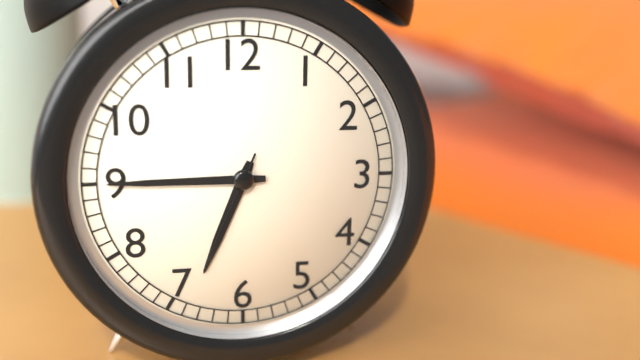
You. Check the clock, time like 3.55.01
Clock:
6.45.34
